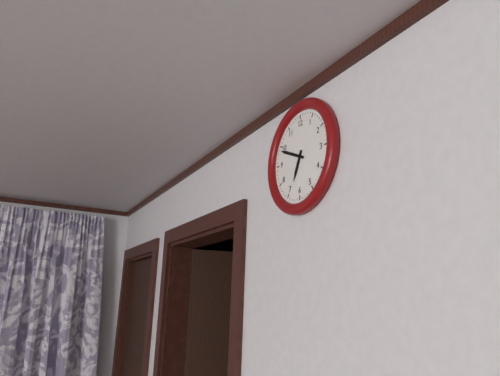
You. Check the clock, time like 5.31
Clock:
6.49
